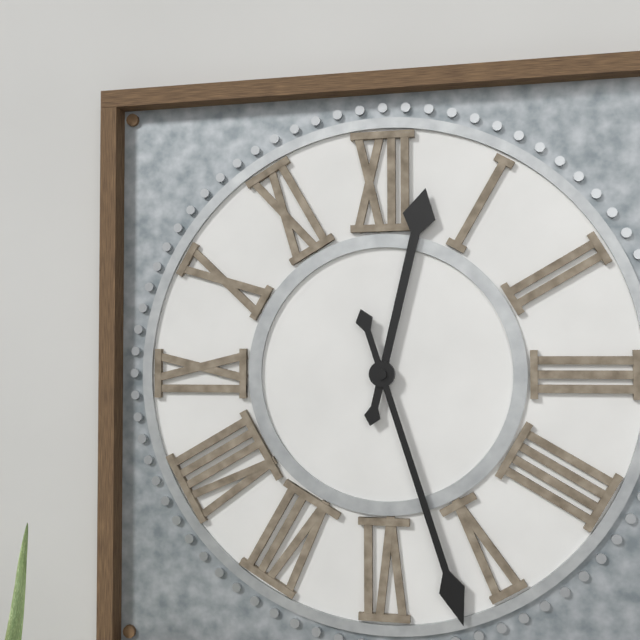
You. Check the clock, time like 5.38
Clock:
12.27
